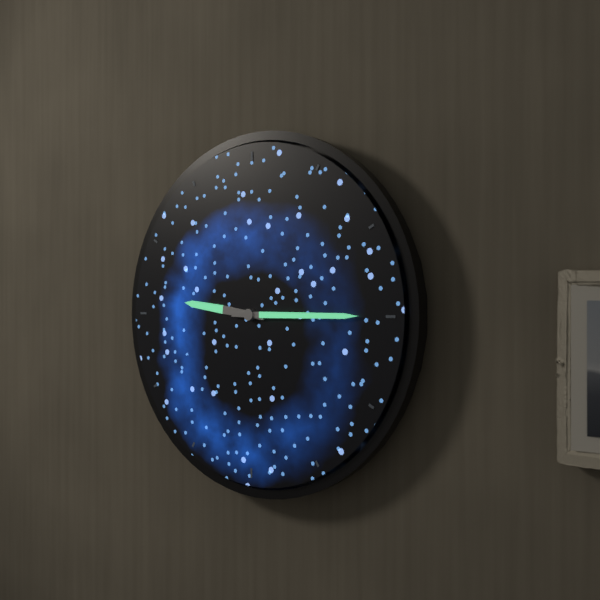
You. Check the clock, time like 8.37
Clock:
9.15
